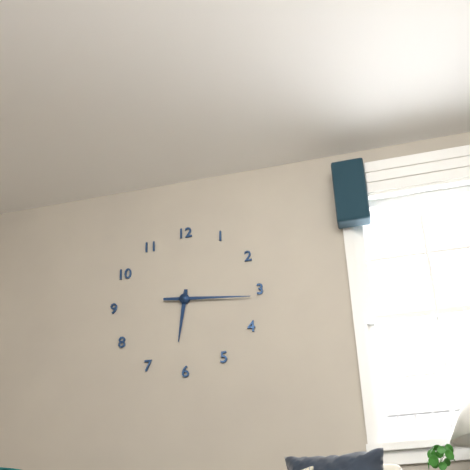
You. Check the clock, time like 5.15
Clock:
6.16
